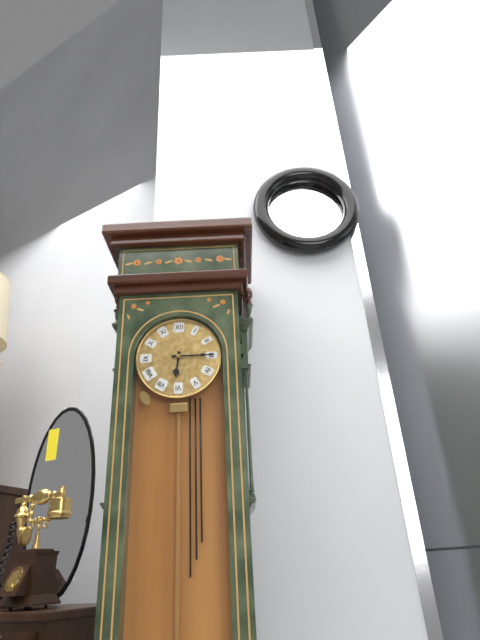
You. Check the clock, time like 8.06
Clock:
6.15
